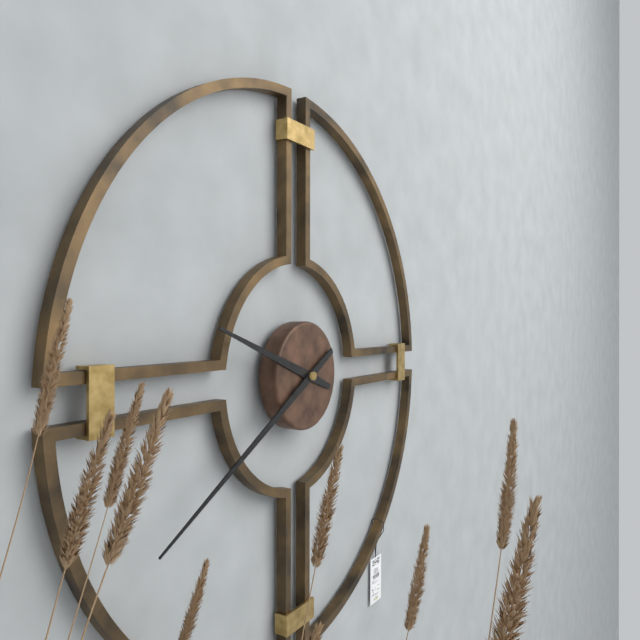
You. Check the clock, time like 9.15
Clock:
9.40
